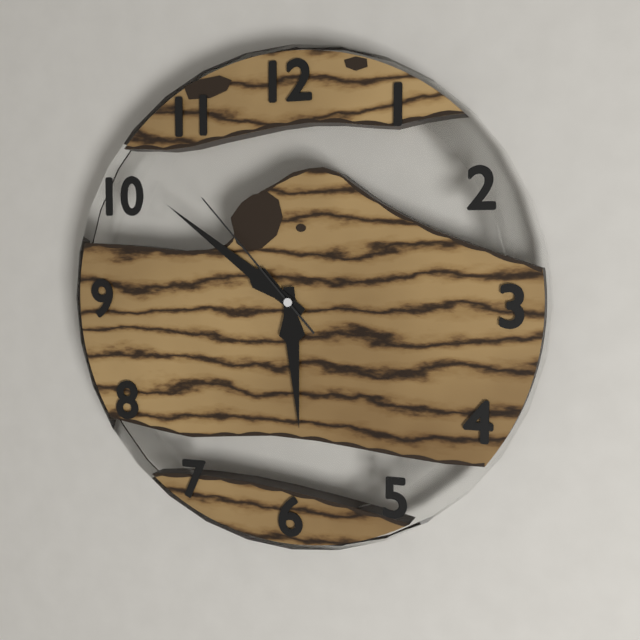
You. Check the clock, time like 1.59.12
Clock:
5.51.53
